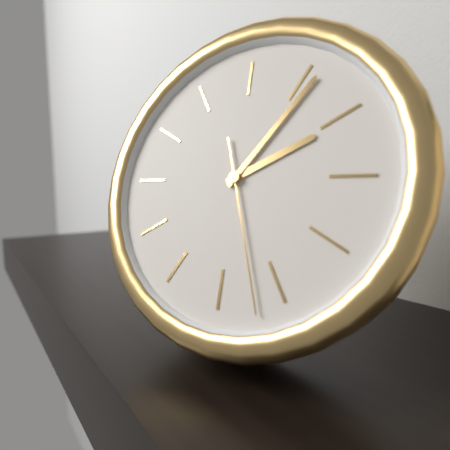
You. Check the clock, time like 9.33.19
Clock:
2.06.27
